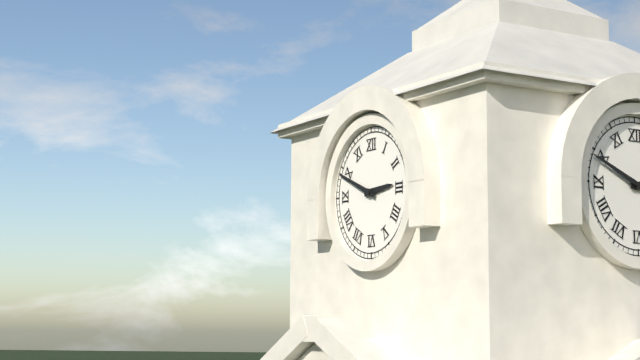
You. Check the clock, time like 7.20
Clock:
2.49
